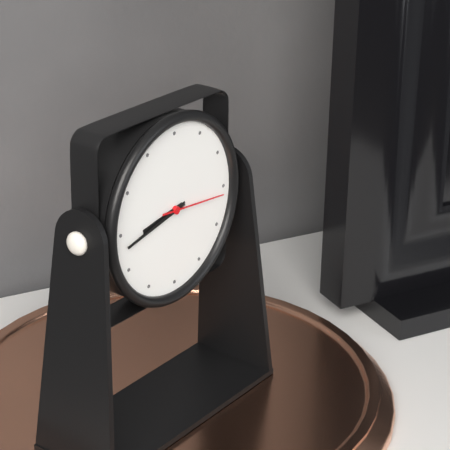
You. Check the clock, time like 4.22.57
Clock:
8.43.16
